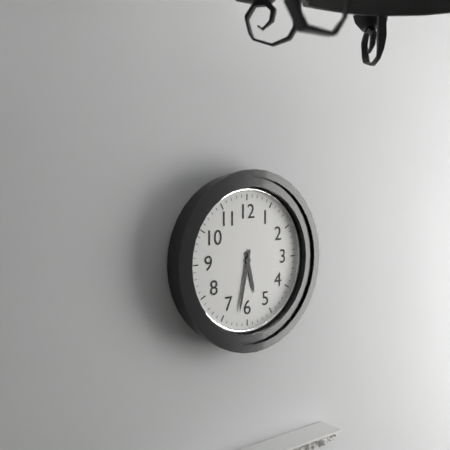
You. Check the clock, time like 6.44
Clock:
5.32
